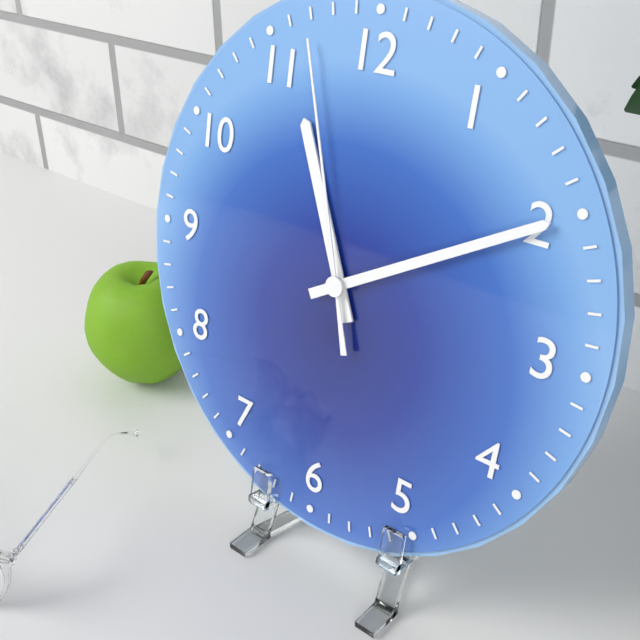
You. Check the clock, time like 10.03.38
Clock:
11.10.57
